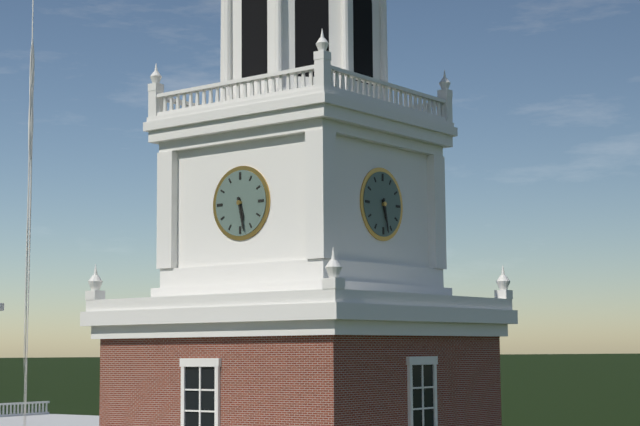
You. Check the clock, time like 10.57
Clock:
5.28
